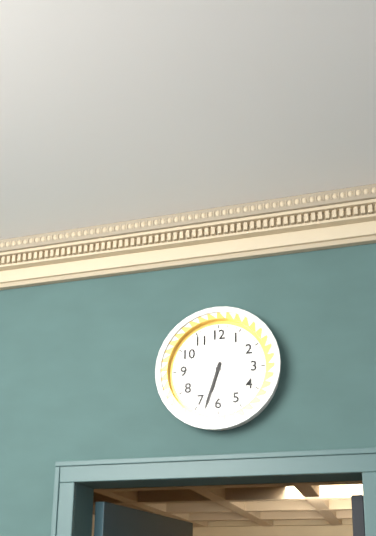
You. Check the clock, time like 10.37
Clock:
6.33
